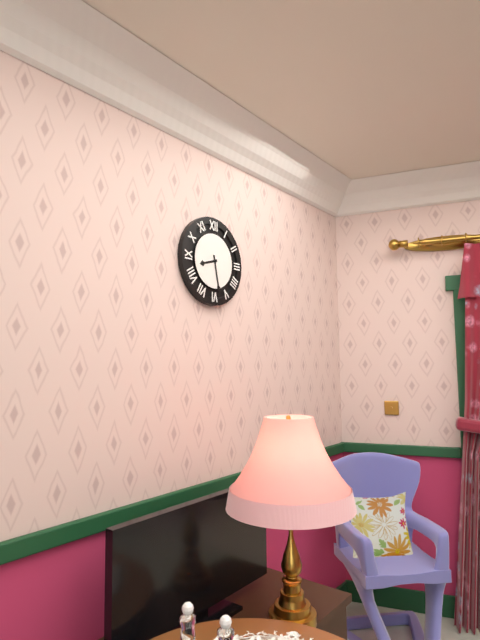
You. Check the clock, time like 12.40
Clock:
8.28
